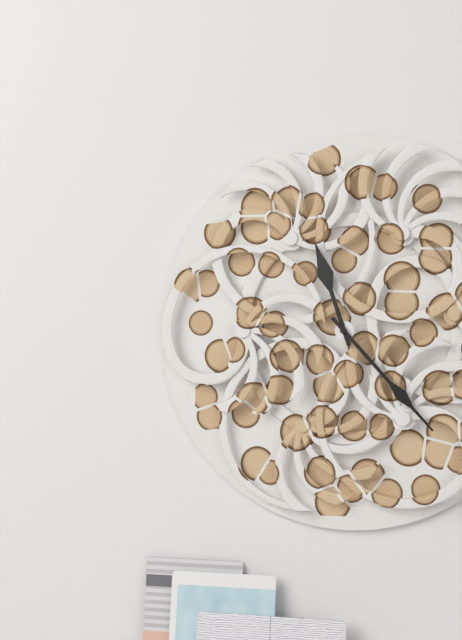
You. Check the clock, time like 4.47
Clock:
11.23
